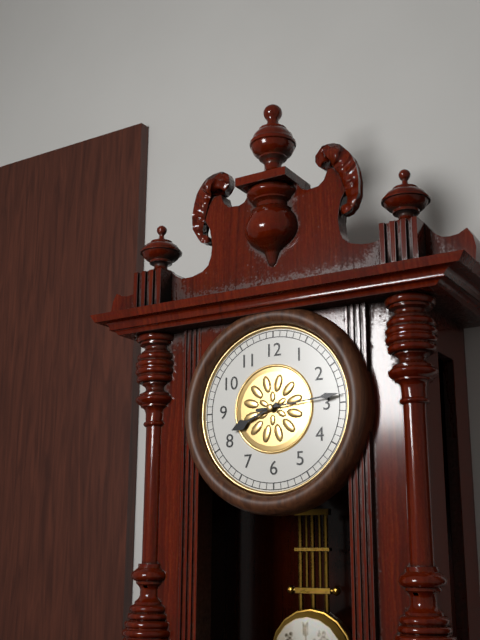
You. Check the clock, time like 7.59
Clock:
8.14
